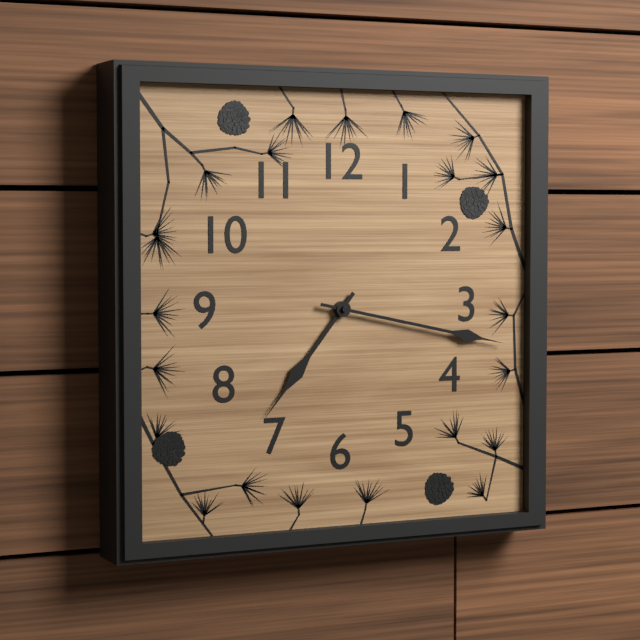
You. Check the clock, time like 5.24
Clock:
7.17
